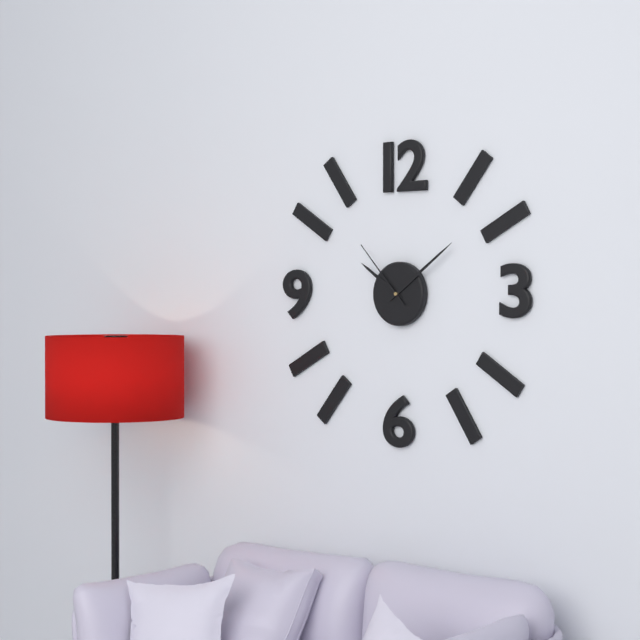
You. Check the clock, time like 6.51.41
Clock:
10.09.53
